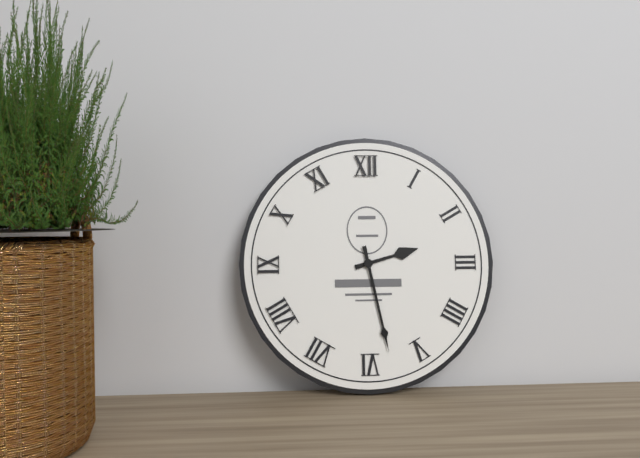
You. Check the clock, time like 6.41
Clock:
2.28
